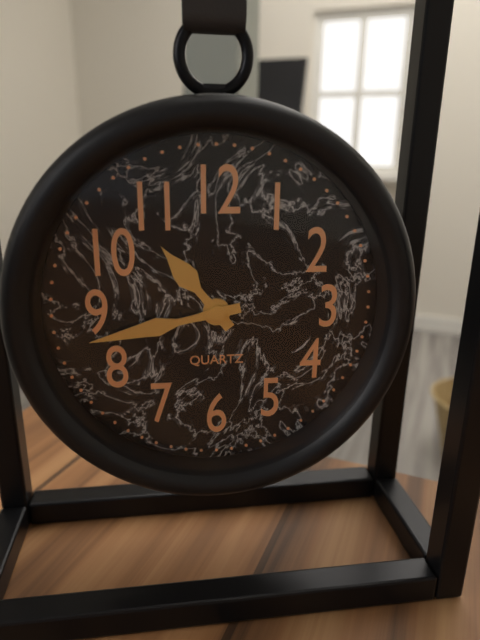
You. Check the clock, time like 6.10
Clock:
10.43
